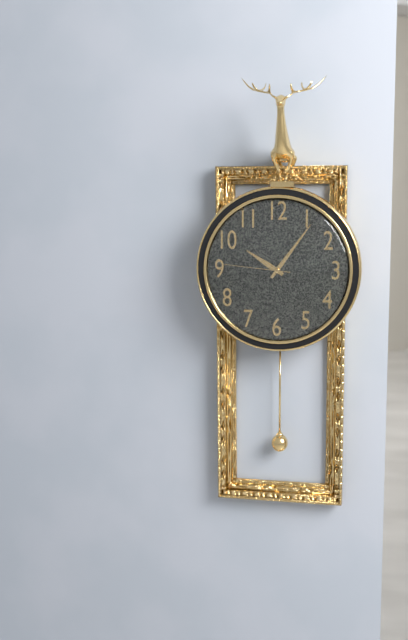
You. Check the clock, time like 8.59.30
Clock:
10.06.46
